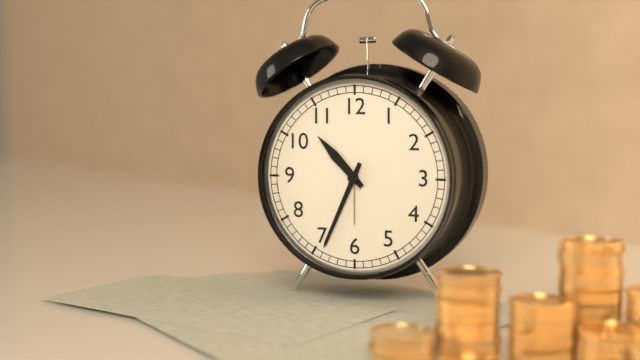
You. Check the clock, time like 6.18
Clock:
10.34
